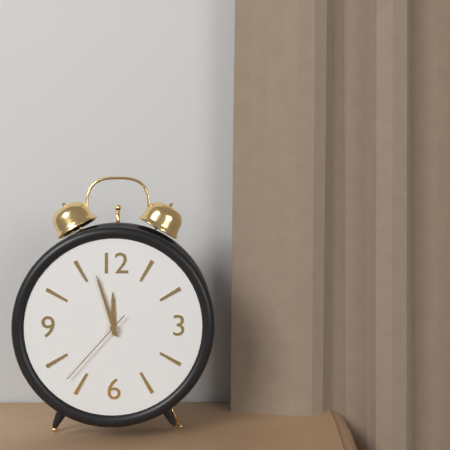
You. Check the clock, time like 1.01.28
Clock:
11.57.37
